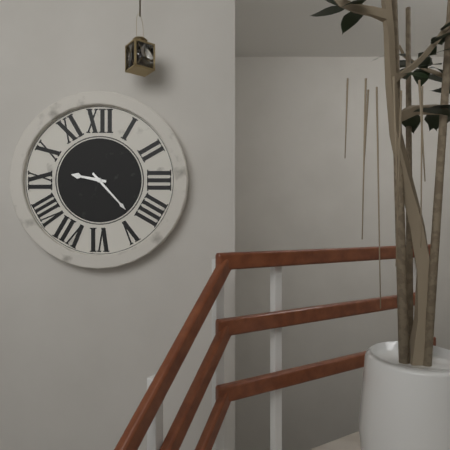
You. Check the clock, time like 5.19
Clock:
9.23
